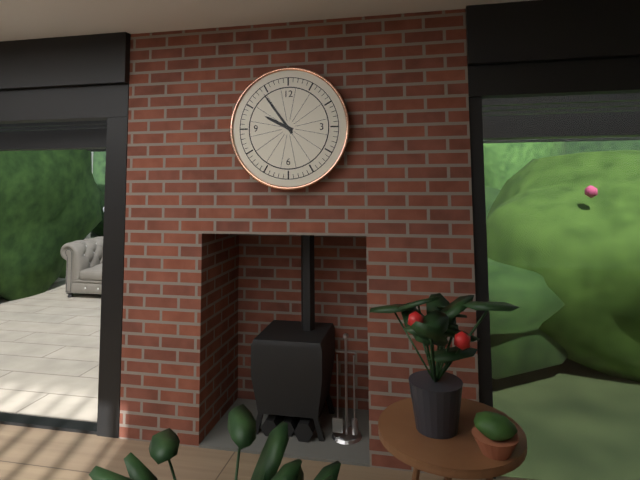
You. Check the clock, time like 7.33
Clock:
9.54
